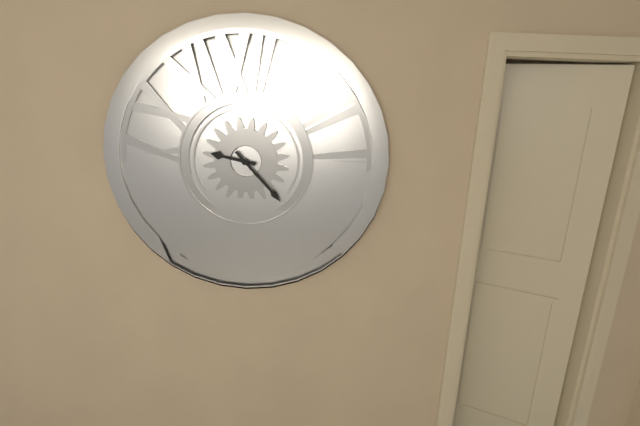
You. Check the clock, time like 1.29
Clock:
9.23
